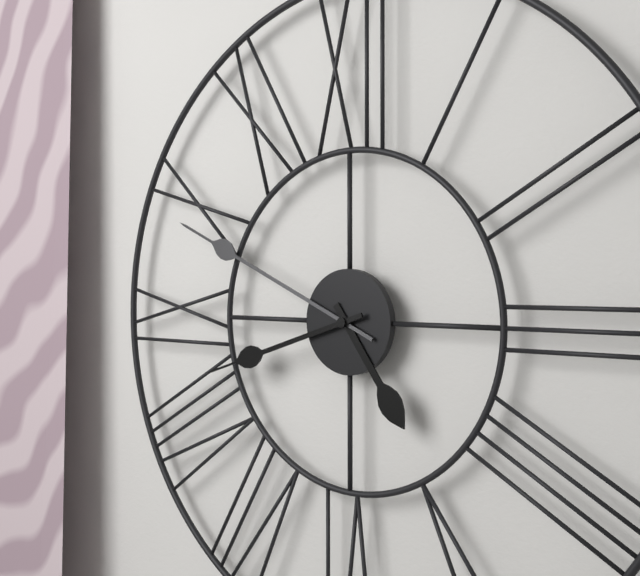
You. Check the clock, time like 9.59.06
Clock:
4.49.42
